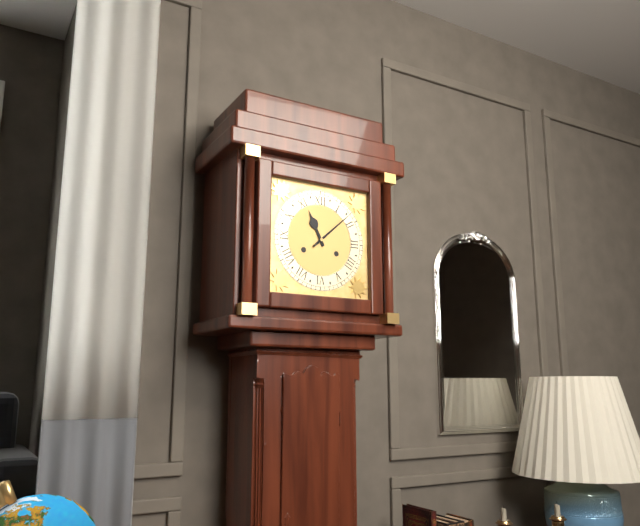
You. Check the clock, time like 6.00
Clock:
11.08
